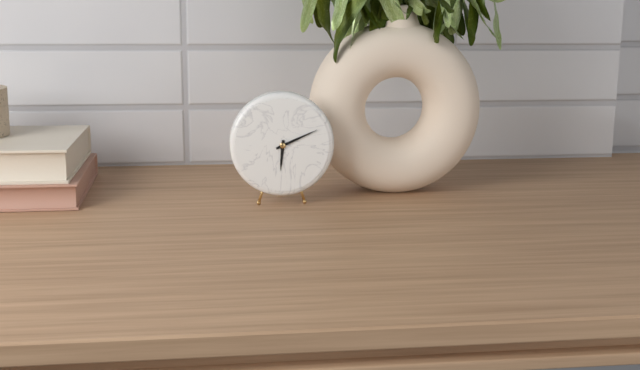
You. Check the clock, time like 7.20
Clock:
6.11
